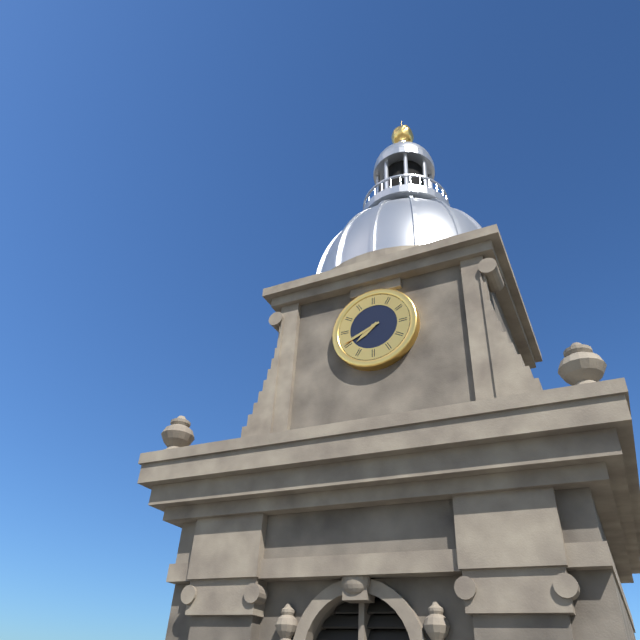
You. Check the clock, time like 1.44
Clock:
7.41
